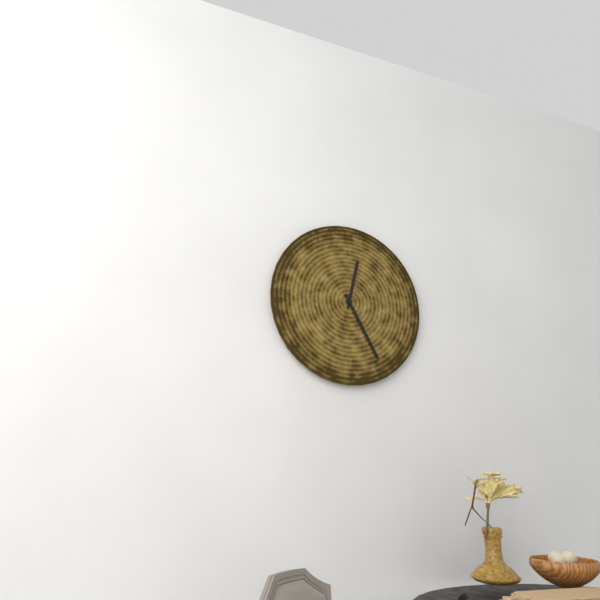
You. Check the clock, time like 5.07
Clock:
12.25
